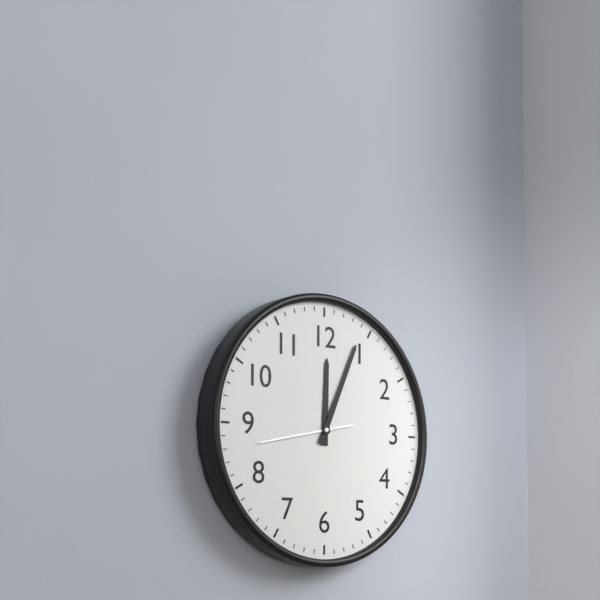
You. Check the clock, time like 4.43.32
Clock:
12.04.43
